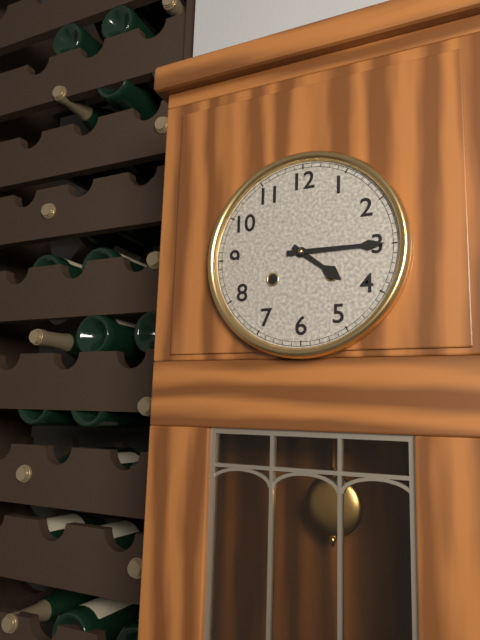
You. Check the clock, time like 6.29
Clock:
4.15
